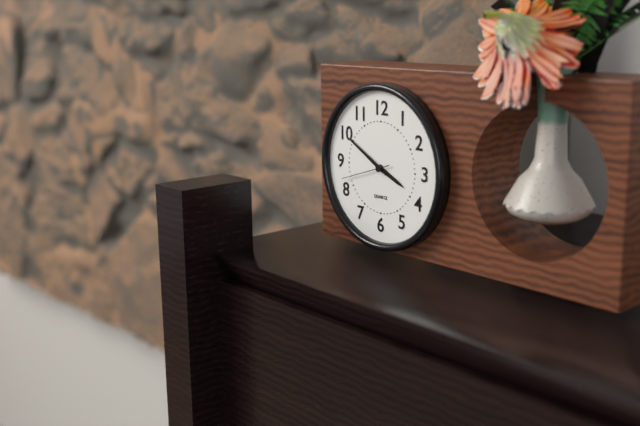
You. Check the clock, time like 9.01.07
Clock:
3.50.42
